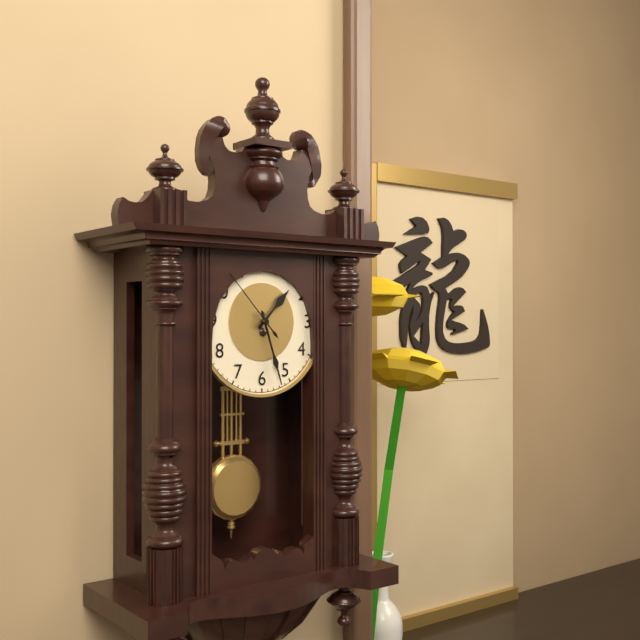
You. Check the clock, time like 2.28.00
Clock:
1.27.53
